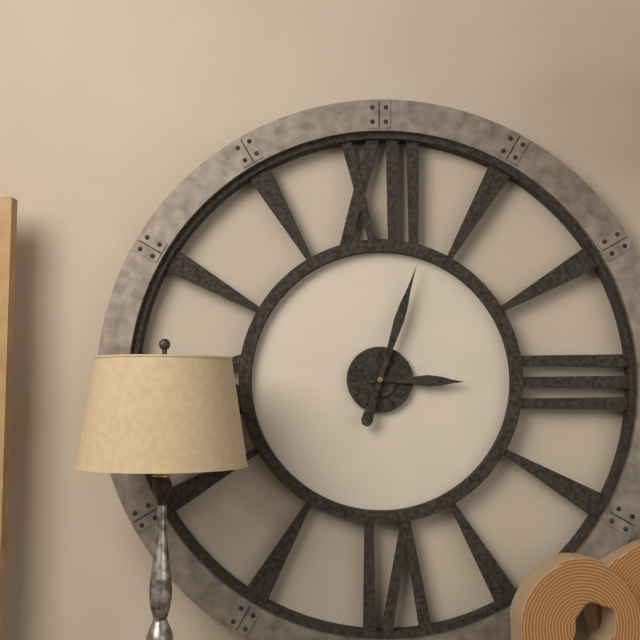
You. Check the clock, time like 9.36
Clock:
3.03
